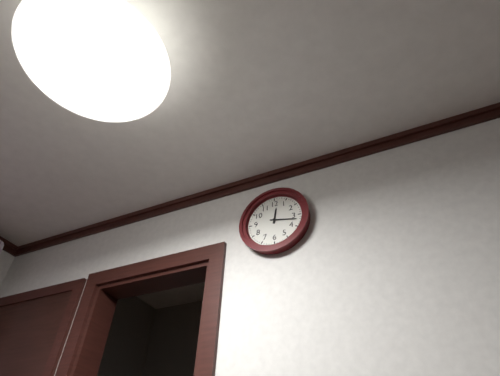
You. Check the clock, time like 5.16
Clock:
12.17
